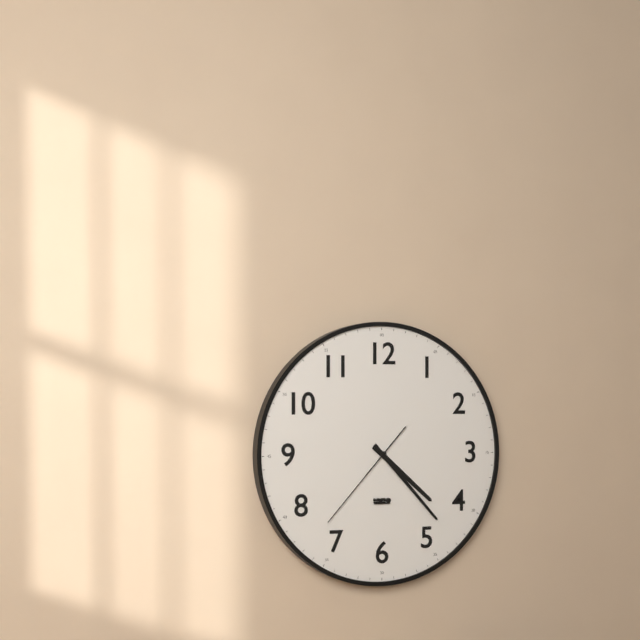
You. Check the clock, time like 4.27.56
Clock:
4.23.37
